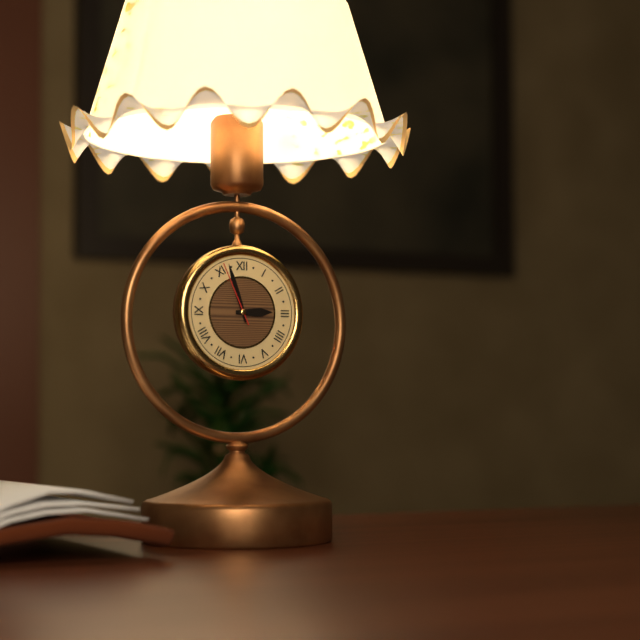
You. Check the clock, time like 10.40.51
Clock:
2.57.56
